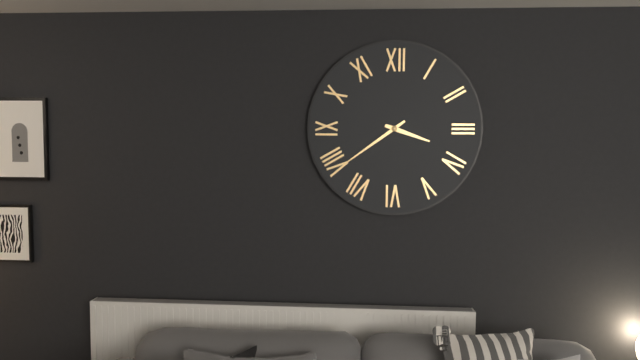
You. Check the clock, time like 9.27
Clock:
3.39
